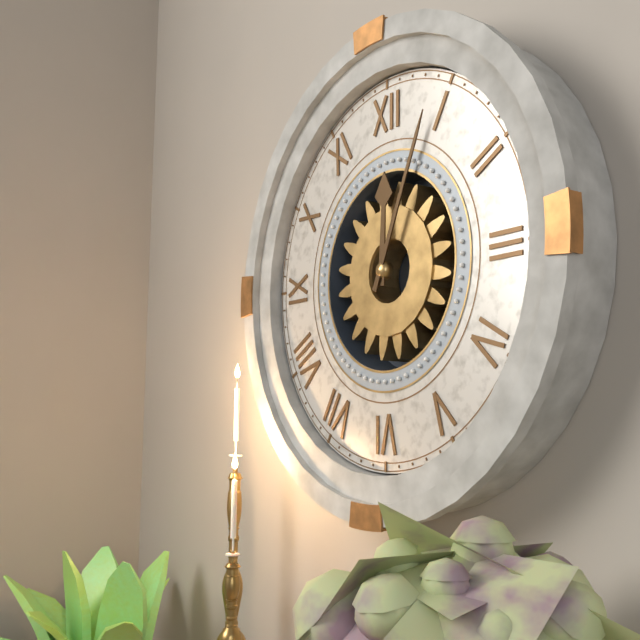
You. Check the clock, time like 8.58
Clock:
12.04
